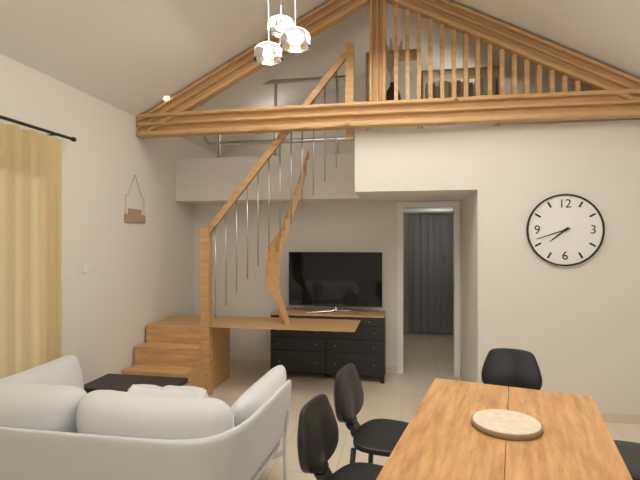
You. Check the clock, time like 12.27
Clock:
7.42
